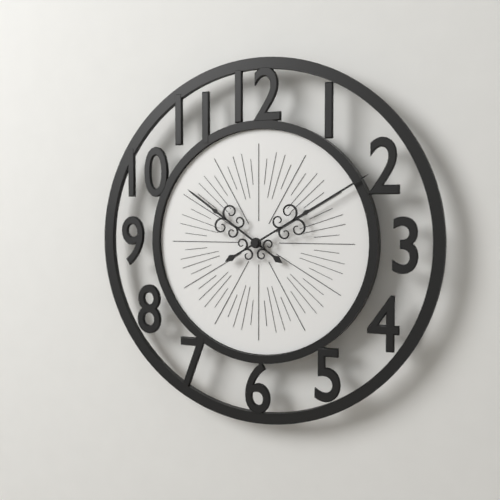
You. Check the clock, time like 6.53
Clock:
10.10
